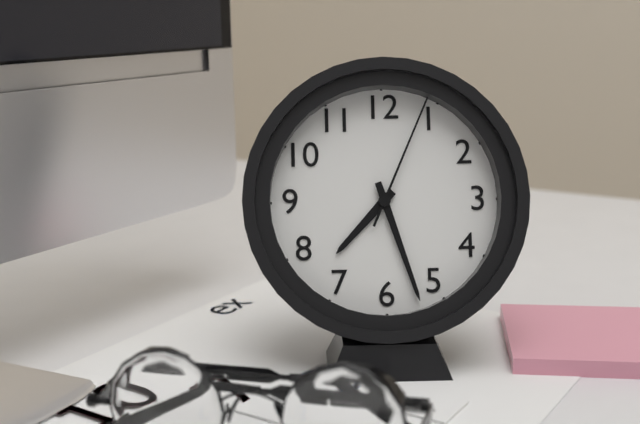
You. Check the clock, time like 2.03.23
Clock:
7.27.04
